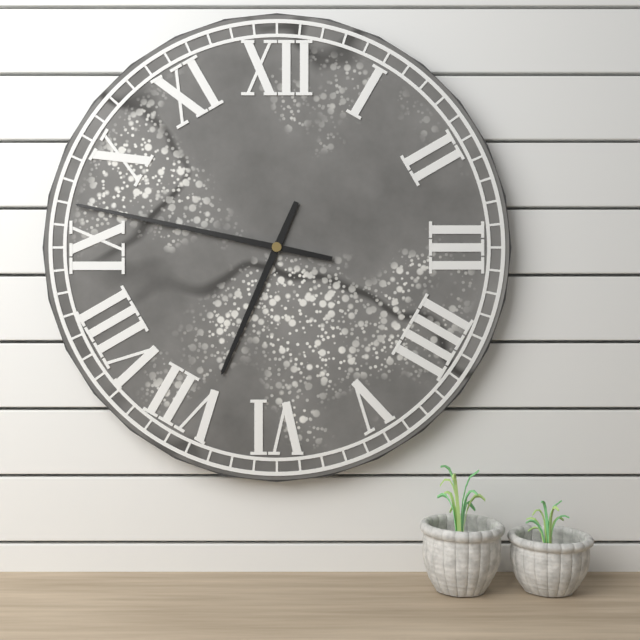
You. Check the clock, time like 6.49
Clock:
6.47
